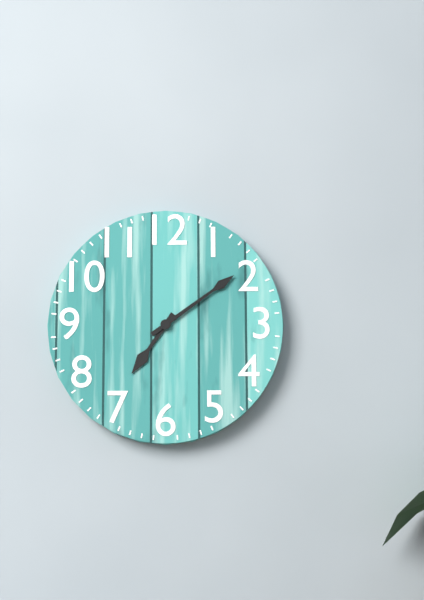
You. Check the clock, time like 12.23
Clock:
7.09
